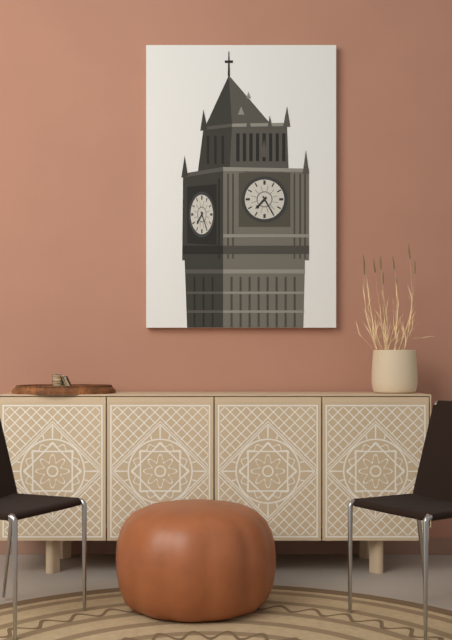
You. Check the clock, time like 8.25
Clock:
7.25
